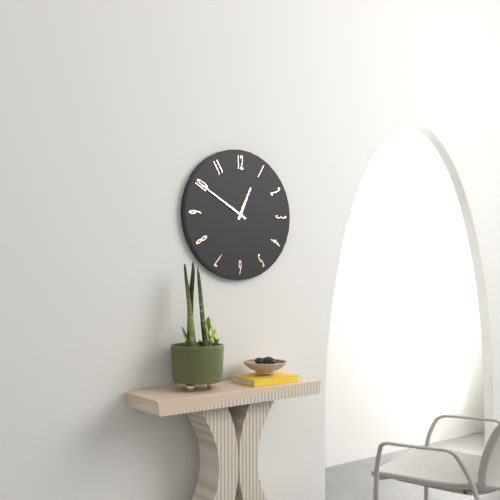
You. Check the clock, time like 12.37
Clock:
12.50
